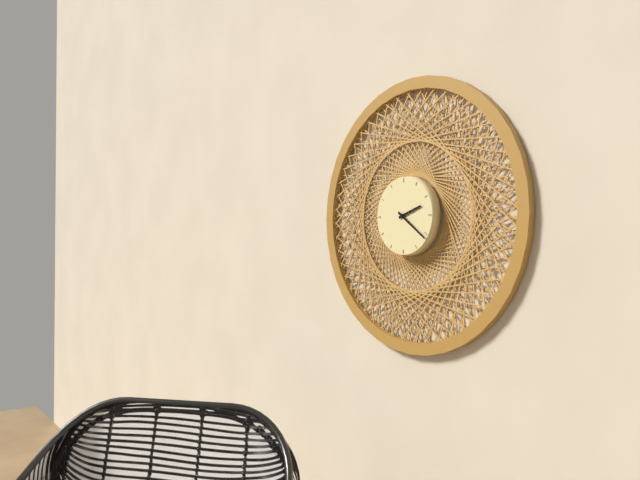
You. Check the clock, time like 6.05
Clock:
2.21
